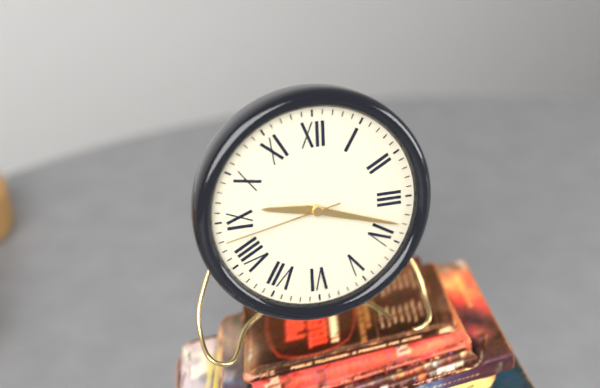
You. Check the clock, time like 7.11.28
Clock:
9.18.43
